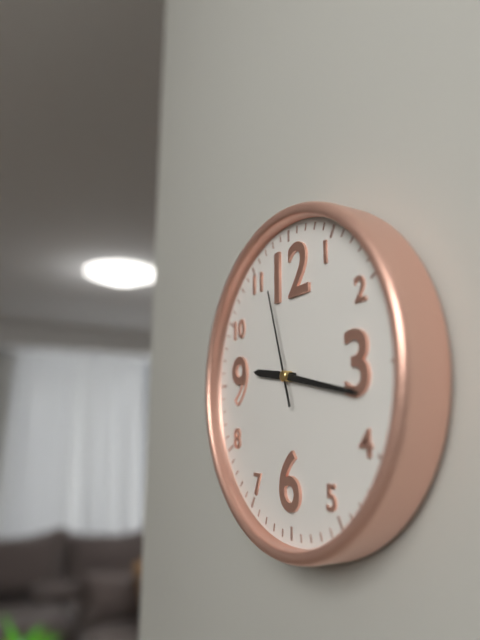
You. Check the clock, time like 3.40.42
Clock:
9.17.57
